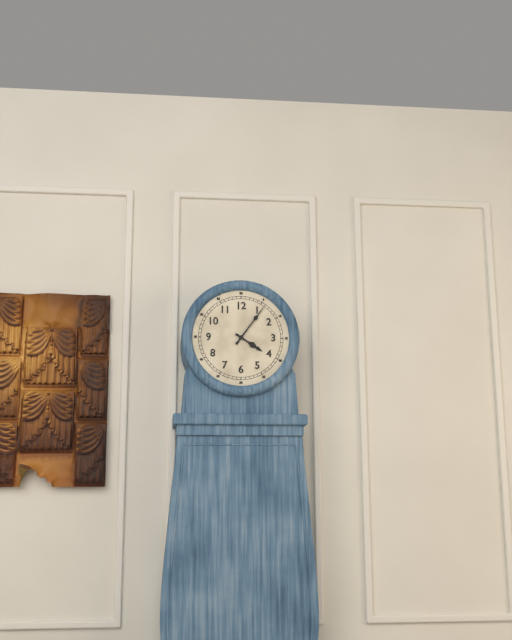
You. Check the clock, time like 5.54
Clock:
4.06
